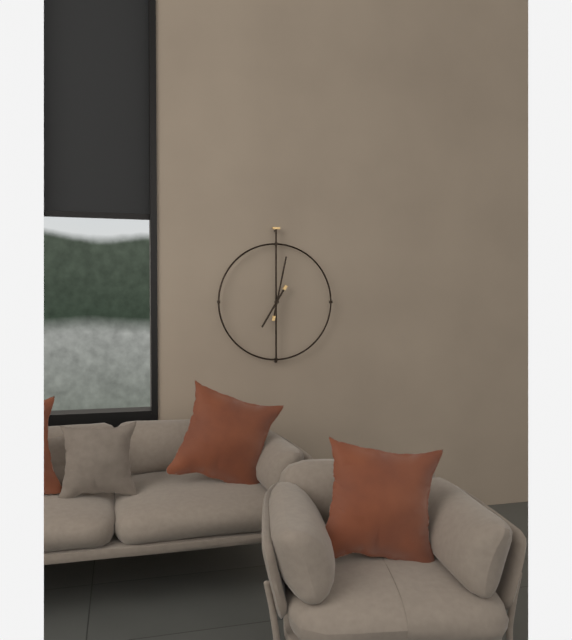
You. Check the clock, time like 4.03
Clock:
7.02
